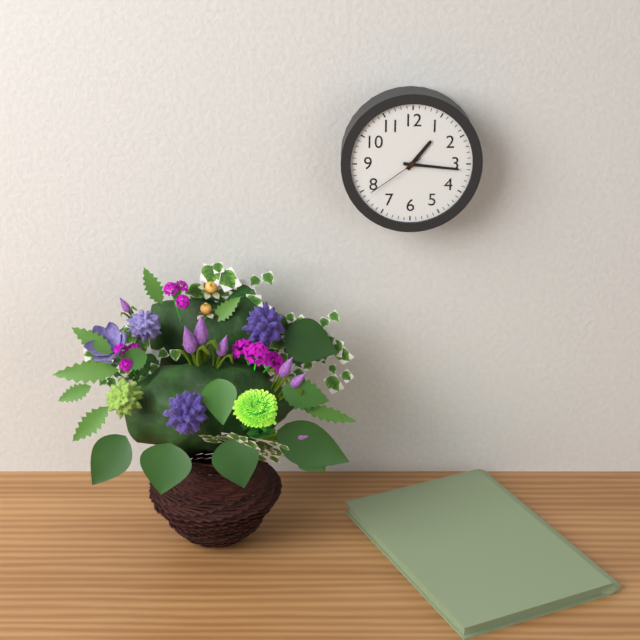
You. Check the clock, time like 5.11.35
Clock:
1.16.39
